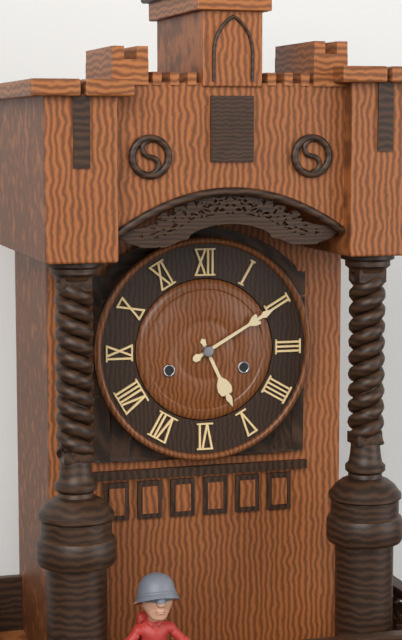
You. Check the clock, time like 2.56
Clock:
5.10
